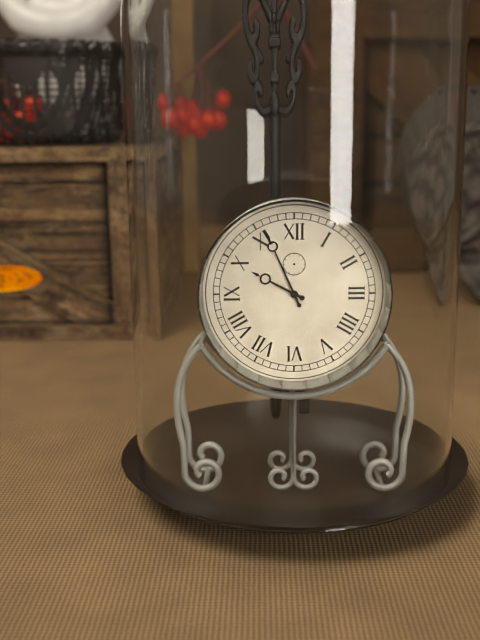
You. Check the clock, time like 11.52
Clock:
9.56
